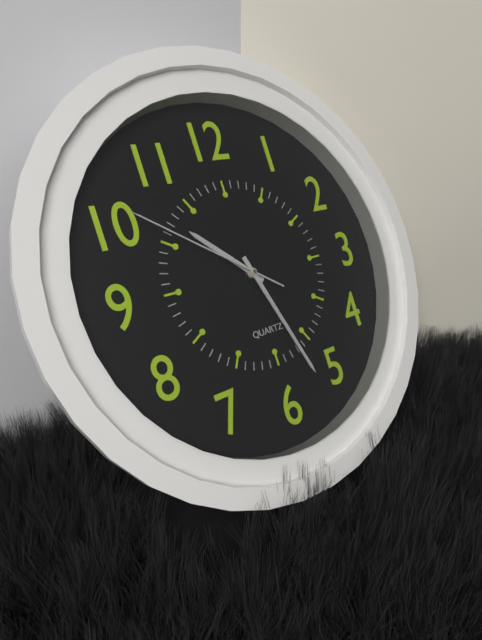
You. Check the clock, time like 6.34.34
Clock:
10.27.51
